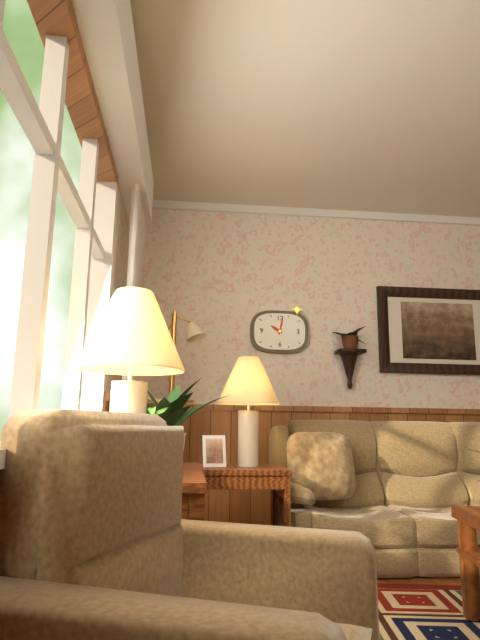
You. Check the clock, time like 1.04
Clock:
10.02
